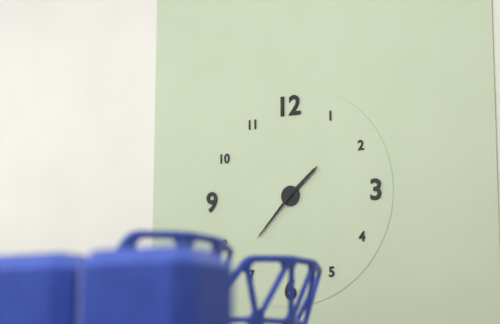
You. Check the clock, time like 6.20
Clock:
1.37
